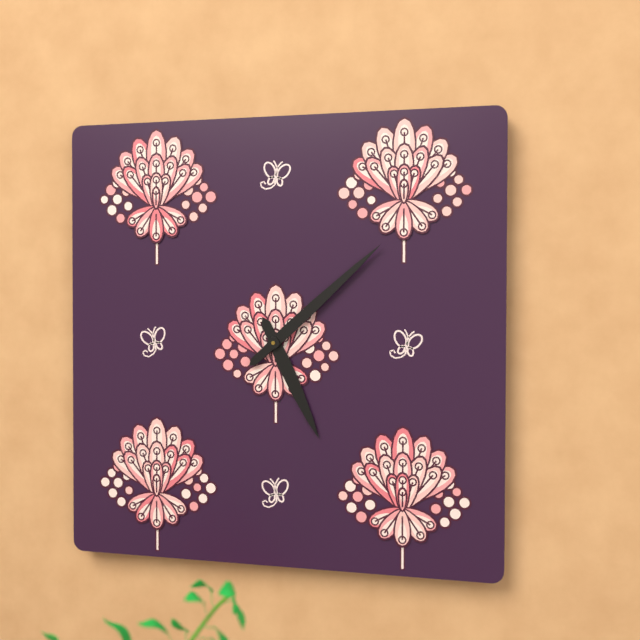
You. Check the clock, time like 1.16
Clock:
5.08
